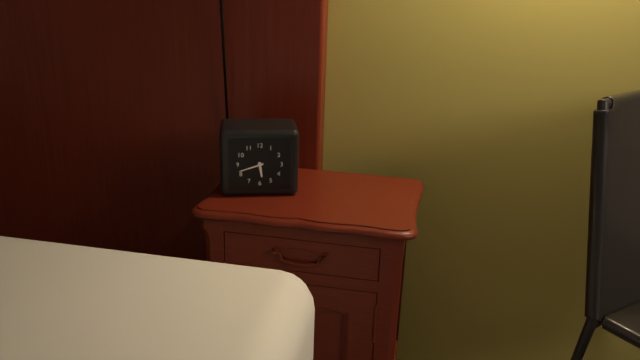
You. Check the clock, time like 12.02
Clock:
5.42
